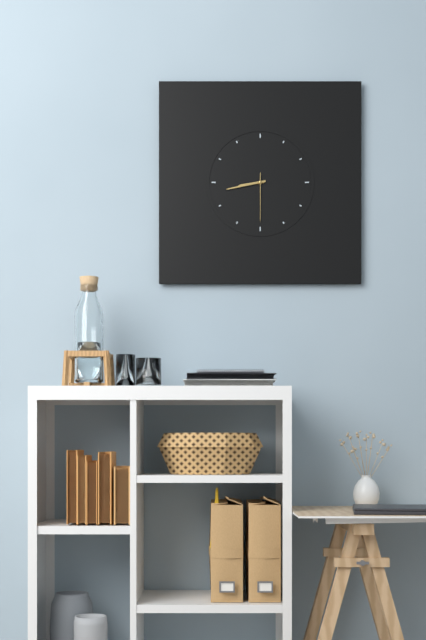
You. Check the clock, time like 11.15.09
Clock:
8.43.30
